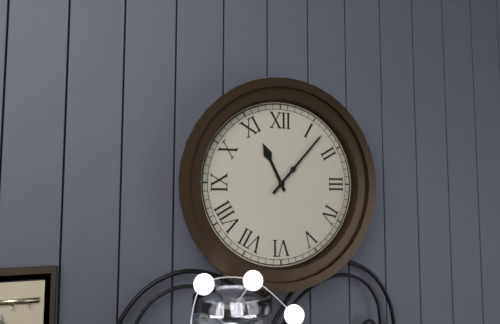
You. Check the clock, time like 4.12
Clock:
11.07
